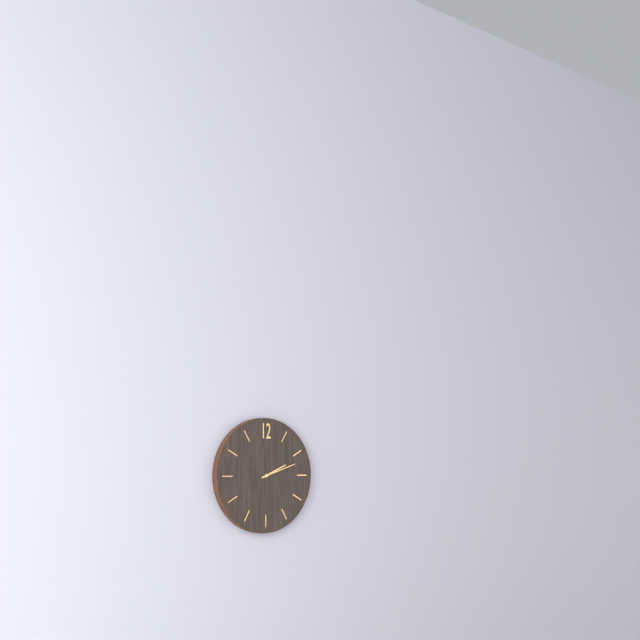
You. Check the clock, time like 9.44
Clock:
2.12
